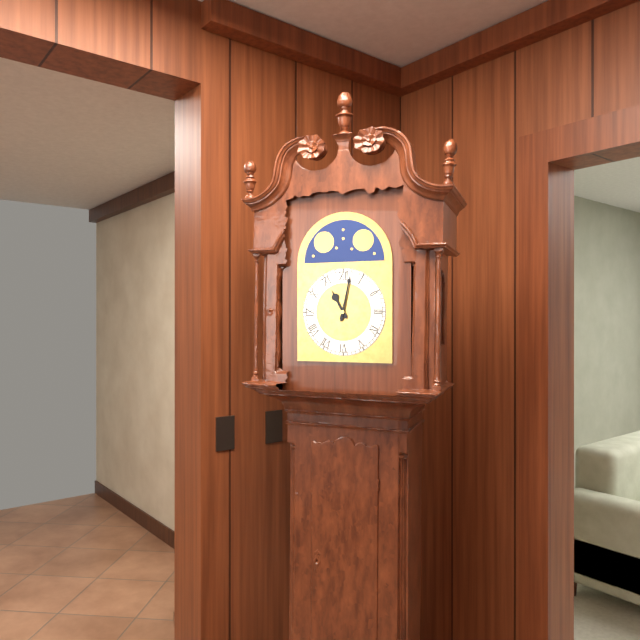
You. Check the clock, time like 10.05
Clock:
11.02
